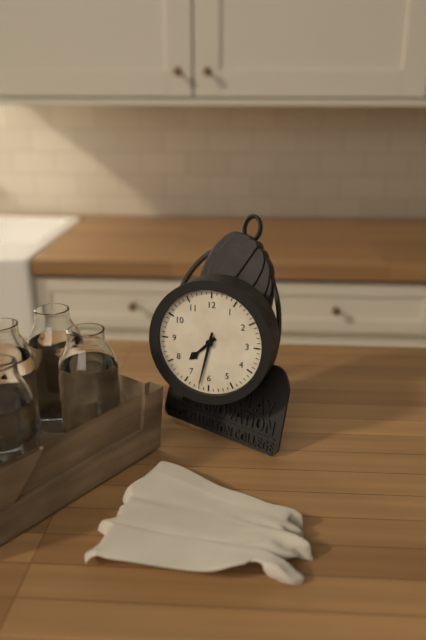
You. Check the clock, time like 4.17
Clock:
7.32
